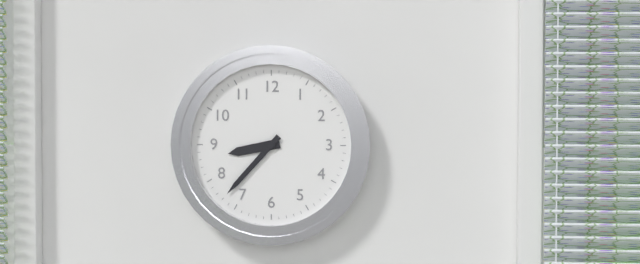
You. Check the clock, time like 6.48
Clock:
8.37
